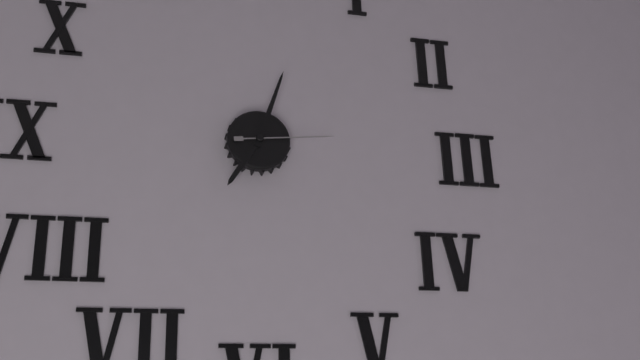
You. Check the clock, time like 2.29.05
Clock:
7.03.14
